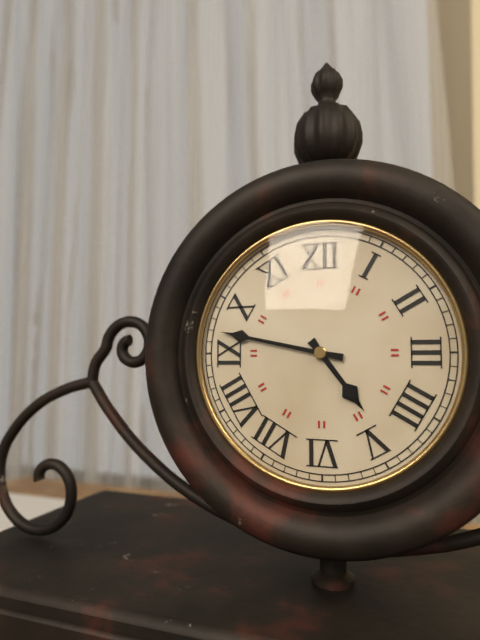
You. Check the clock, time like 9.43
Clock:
4.47
